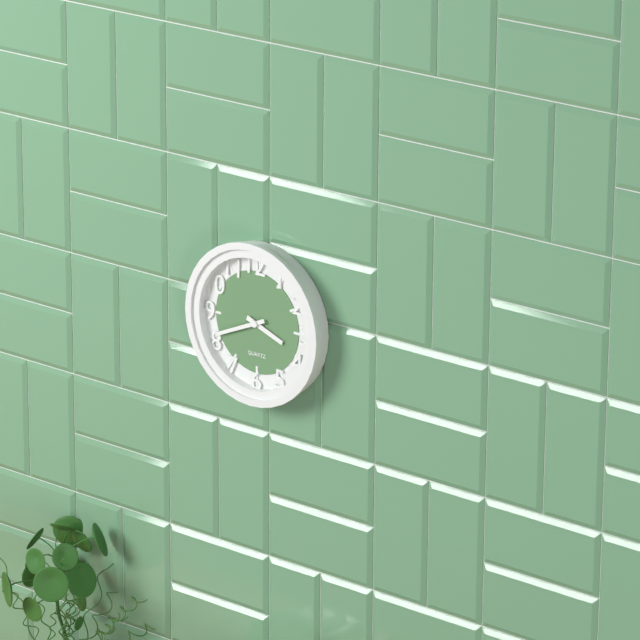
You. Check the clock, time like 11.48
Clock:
3.41
